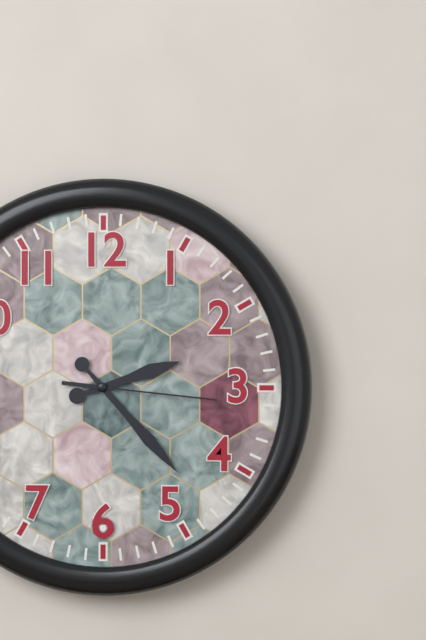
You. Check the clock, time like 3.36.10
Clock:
2.23.16
